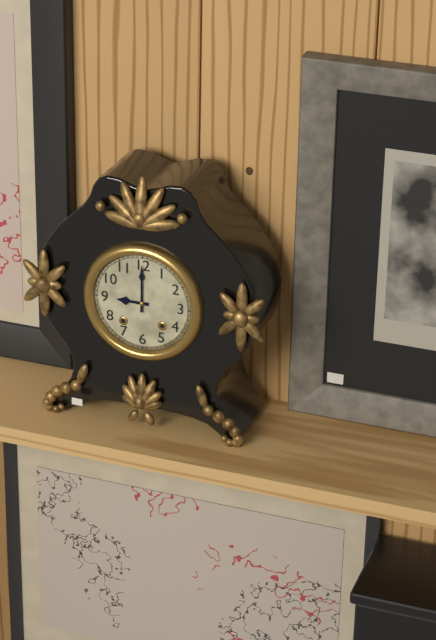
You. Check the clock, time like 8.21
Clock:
9.00
